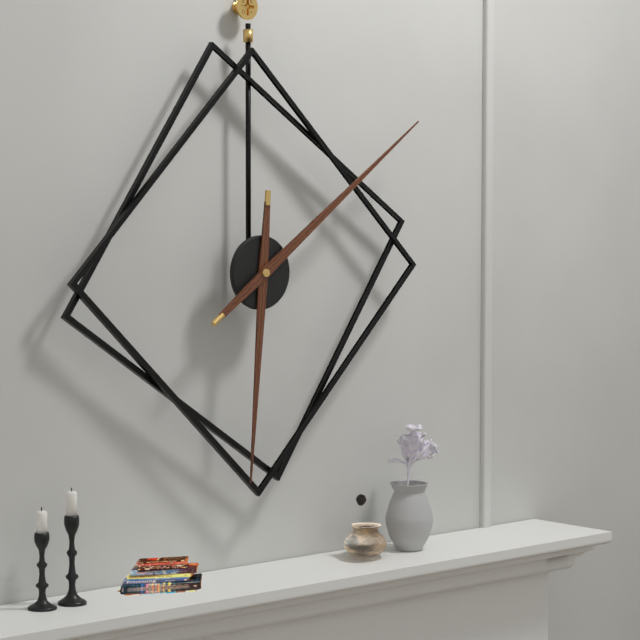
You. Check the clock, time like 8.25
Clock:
6.09
